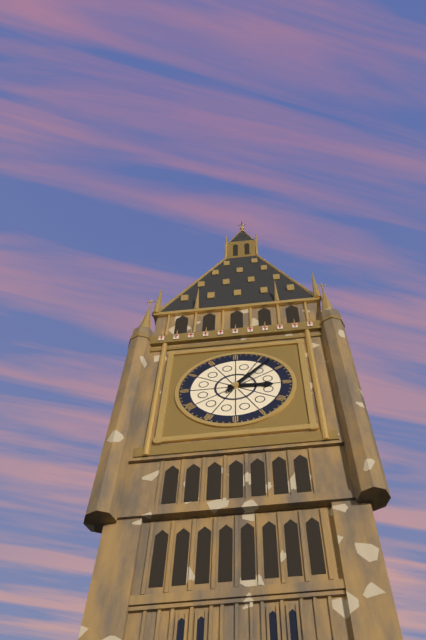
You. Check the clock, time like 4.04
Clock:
3.07
